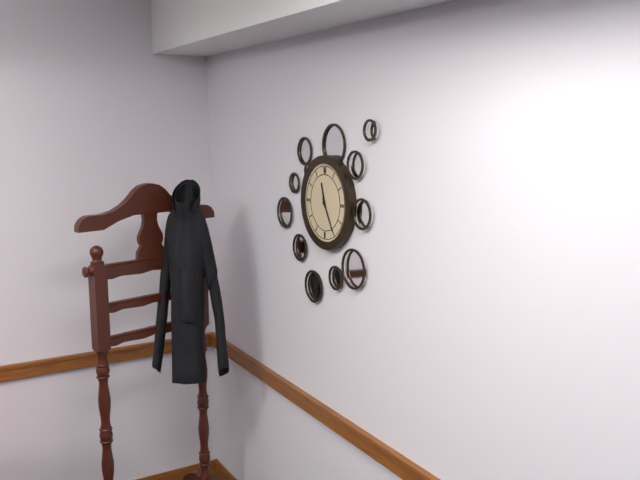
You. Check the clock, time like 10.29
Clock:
11.25
